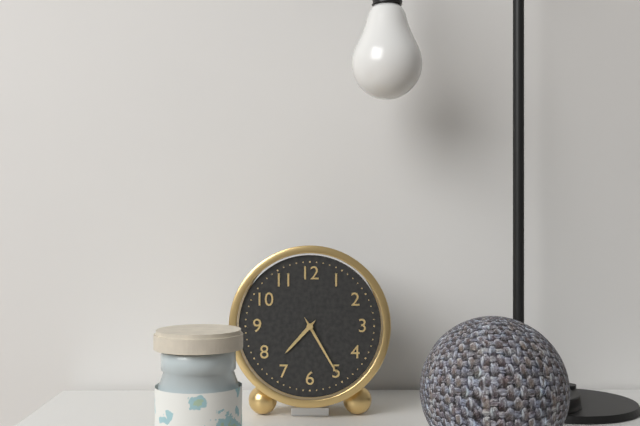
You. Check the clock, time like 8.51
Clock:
7.25
